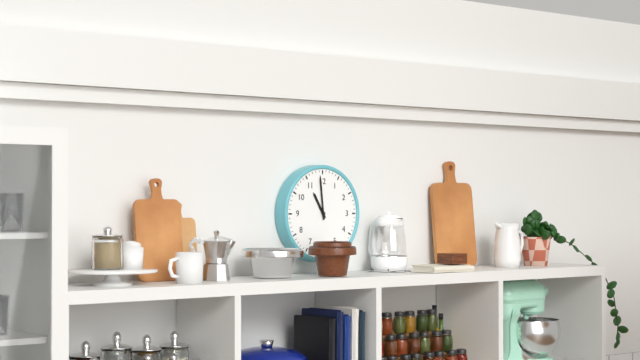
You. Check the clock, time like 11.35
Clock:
10.59
